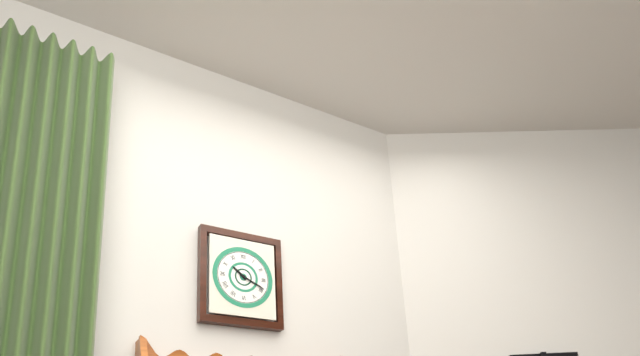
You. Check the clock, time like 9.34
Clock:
10.19
